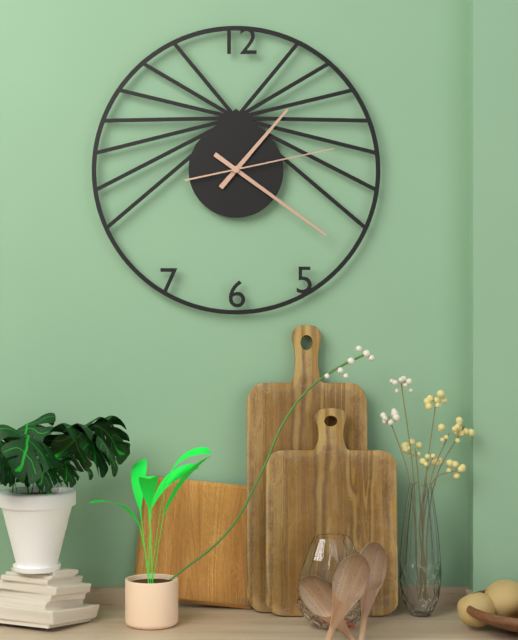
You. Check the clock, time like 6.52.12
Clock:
1.21.13
